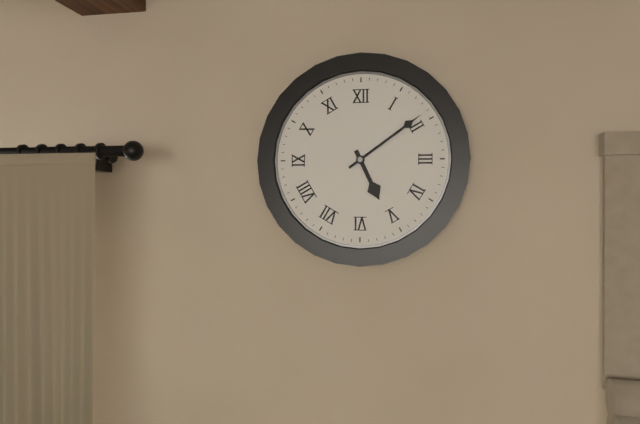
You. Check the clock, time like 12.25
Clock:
5.09
